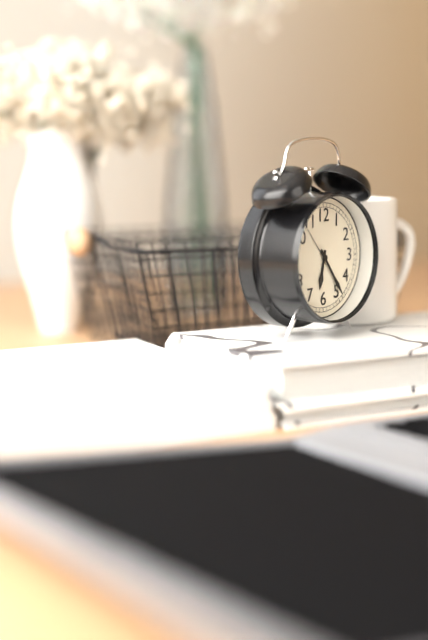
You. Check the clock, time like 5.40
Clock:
6.24
